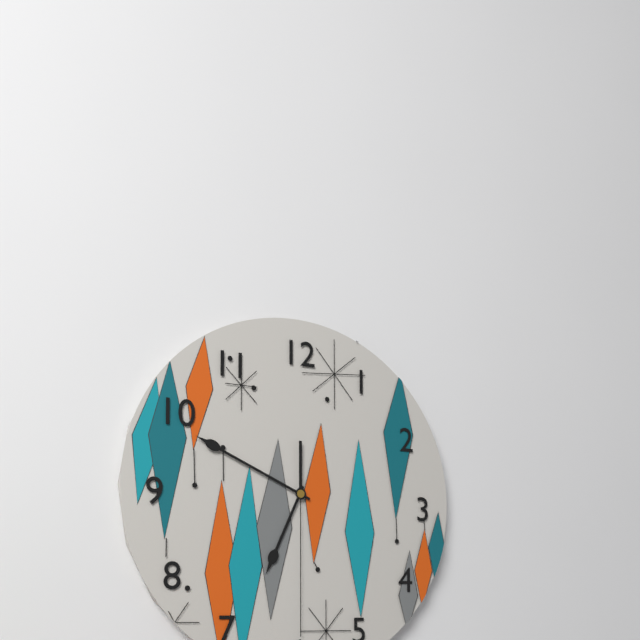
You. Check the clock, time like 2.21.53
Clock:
6.49.30
